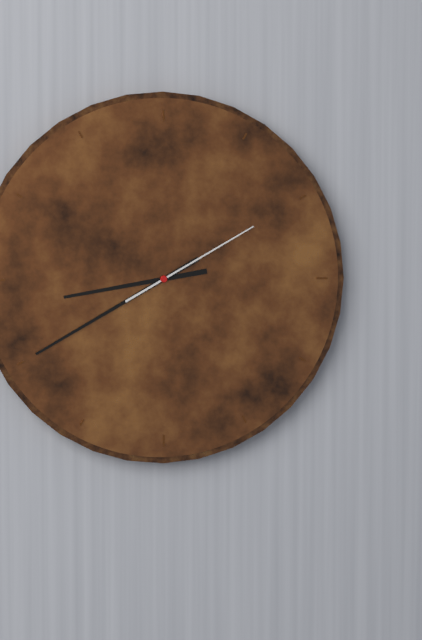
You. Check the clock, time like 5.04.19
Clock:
8.40.10
